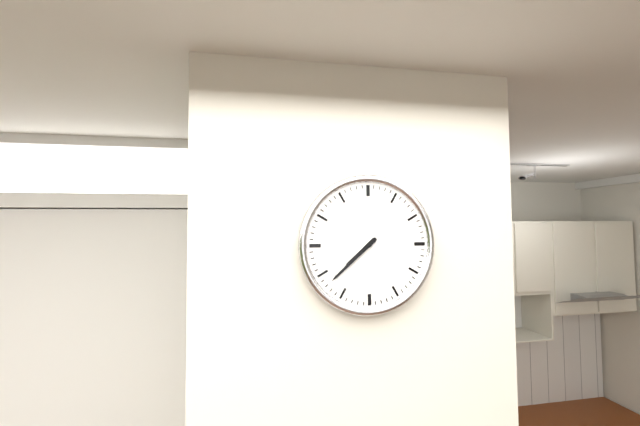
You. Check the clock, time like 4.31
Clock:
7.38
